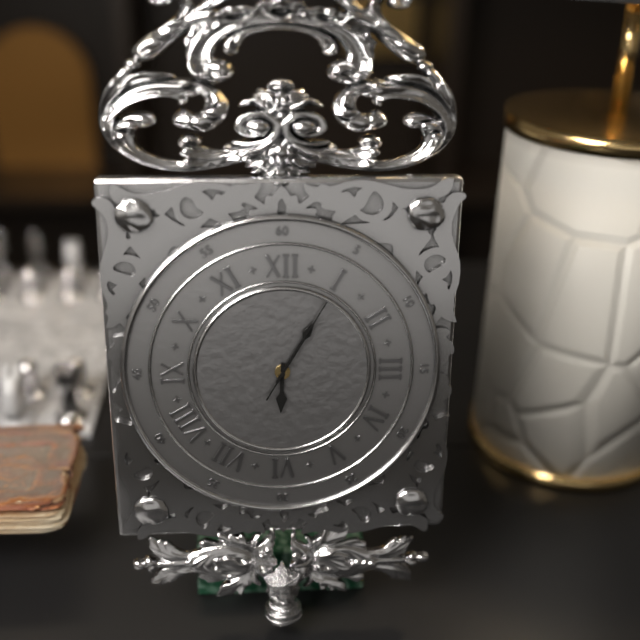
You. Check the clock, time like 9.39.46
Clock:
6.05.05
